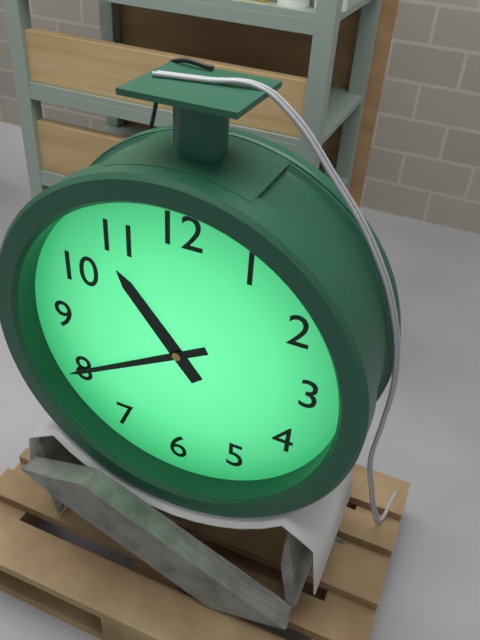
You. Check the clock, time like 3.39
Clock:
10.40
